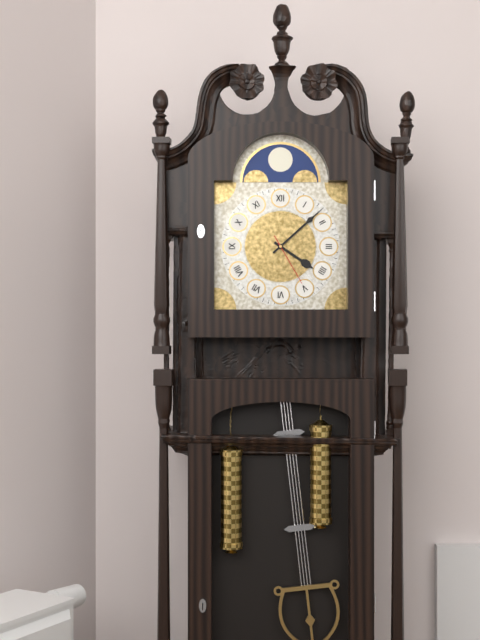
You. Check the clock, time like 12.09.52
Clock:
4.08.25
